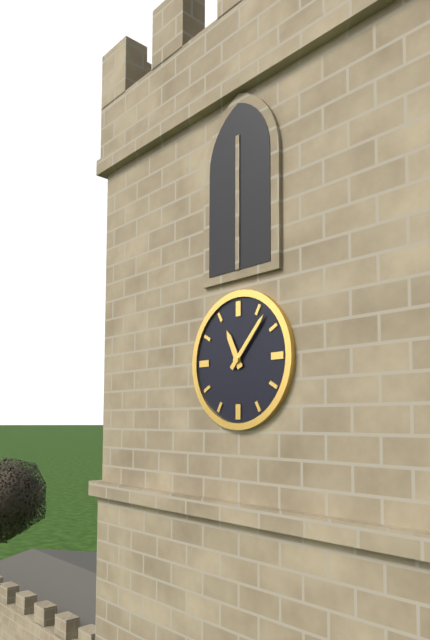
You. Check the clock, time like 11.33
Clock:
11.07
